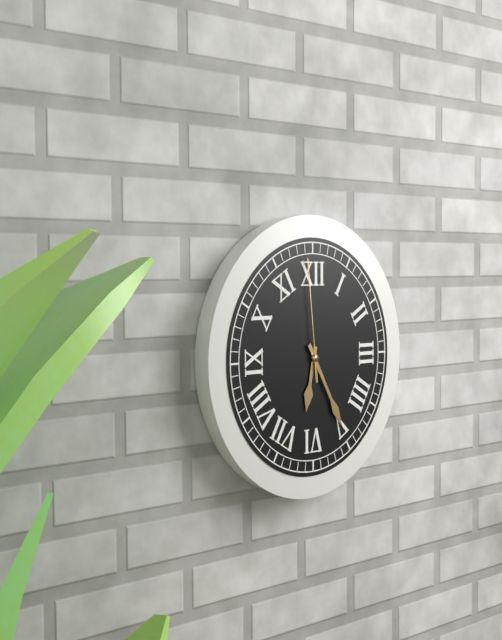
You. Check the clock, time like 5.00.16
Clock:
6.25.59
